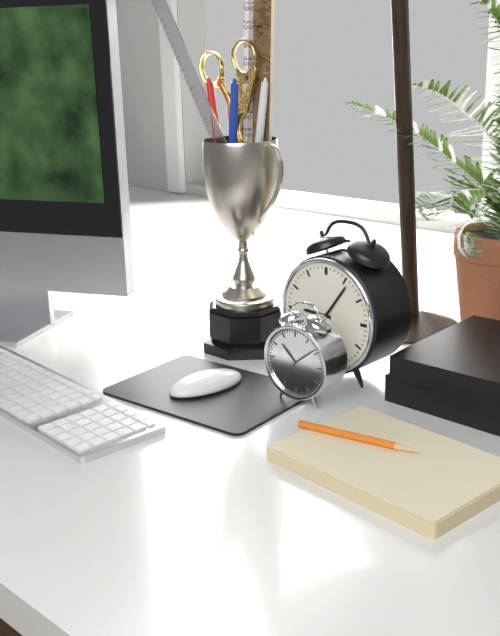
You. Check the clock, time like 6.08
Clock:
9.06
